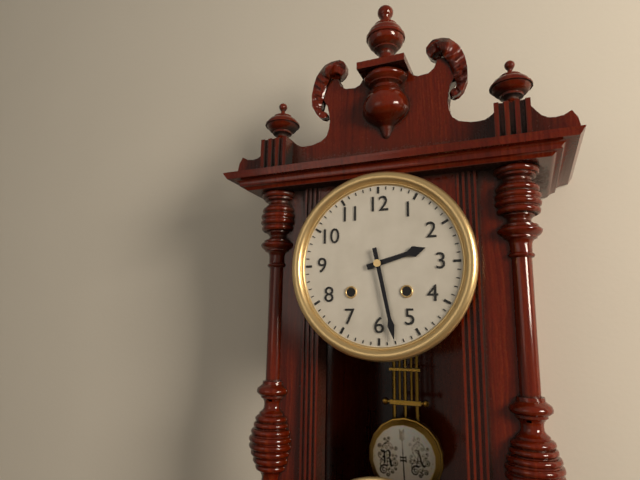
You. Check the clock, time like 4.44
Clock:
2.28
